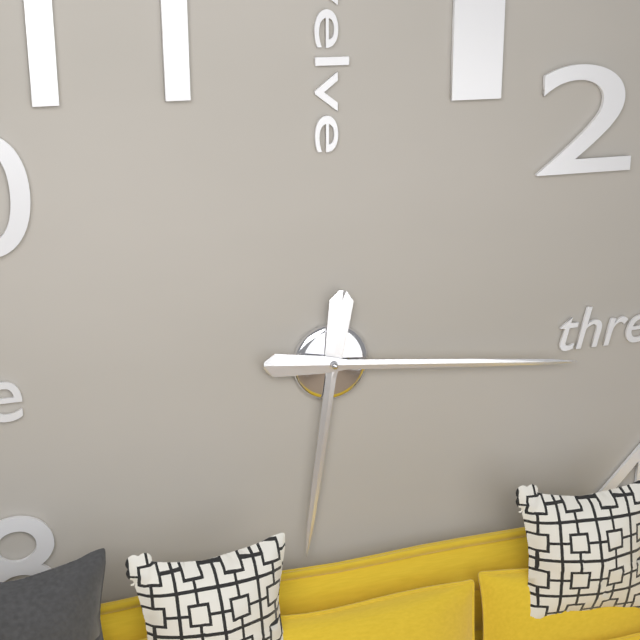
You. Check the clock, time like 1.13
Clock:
6.16
